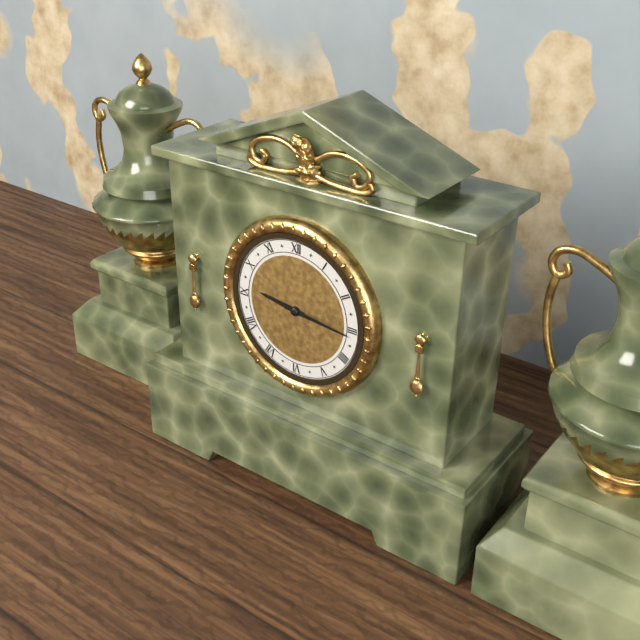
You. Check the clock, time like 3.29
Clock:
9.16
